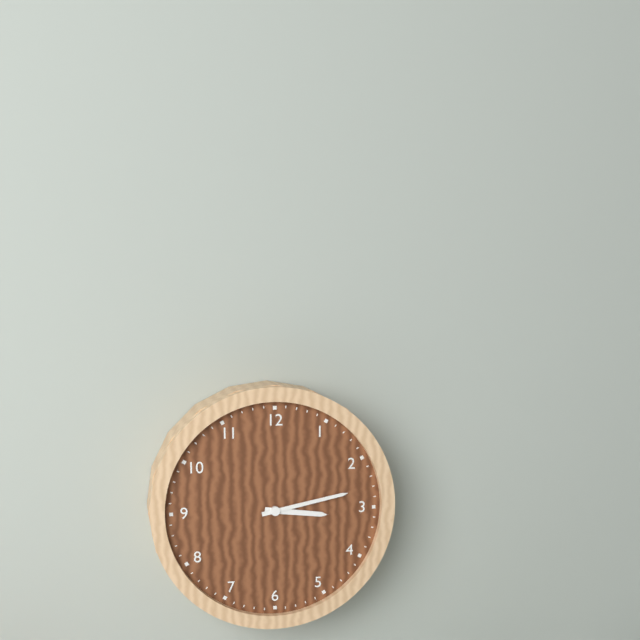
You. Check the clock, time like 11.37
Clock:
3.13
